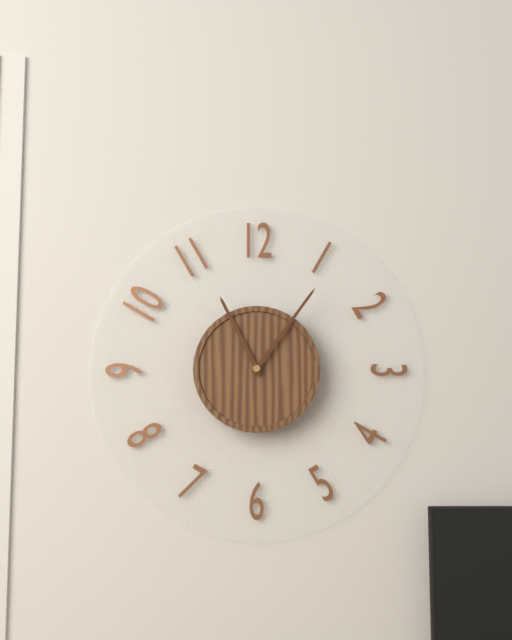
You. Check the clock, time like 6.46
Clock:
11.06
